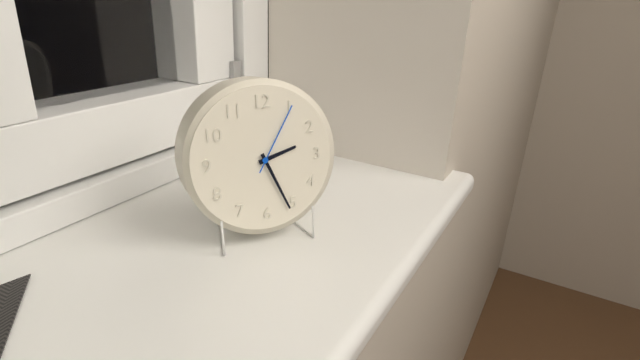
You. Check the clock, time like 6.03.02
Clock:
2.26.05
